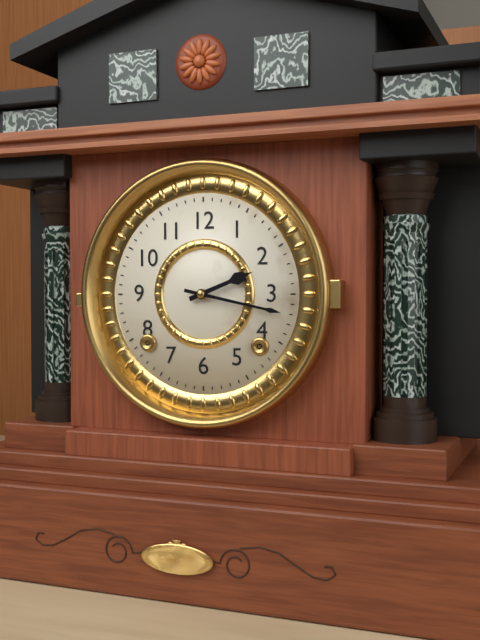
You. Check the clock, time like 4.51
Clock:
2.17
